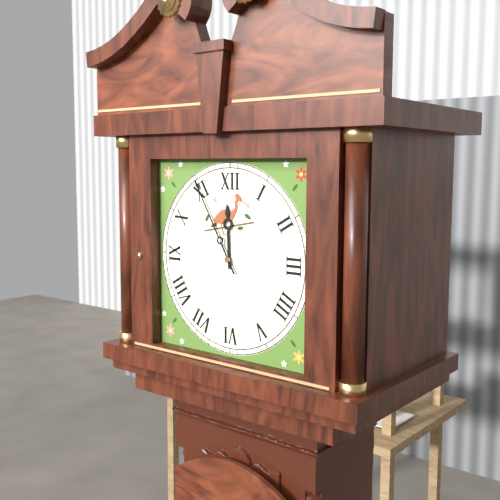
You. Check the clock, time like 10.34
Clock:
11.55
